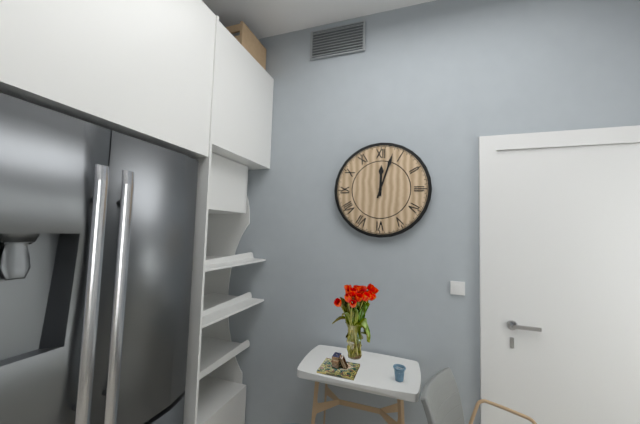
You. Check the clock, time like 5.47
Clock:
12.03
